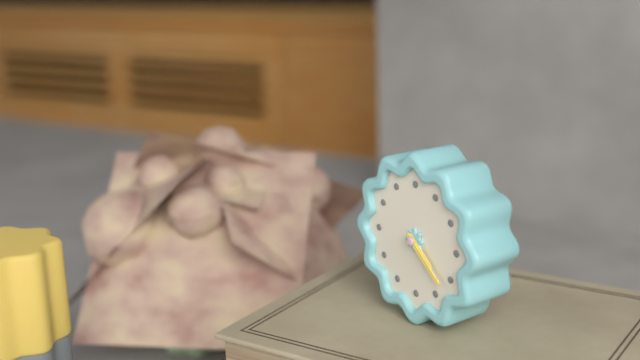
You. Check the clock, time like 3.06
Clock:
4.22
